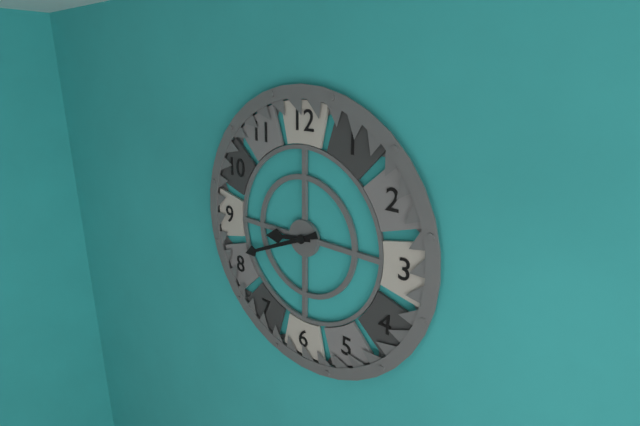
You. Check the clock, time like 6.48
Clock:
8.41
